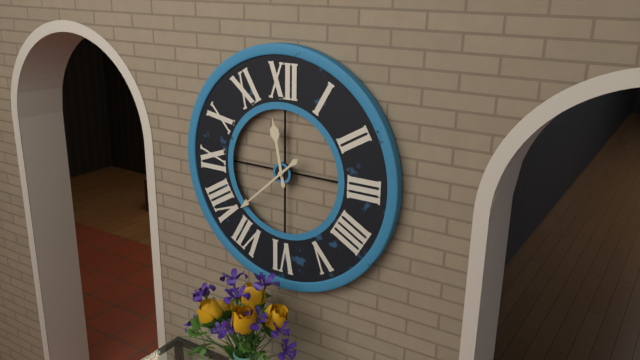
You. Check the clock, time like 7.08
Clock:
11.38
